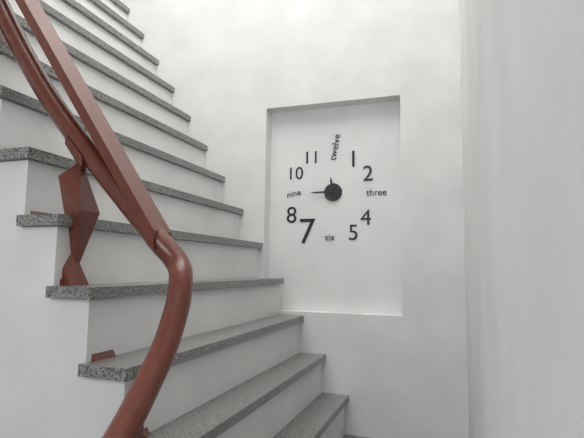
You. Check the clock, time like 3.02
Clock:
11.45
